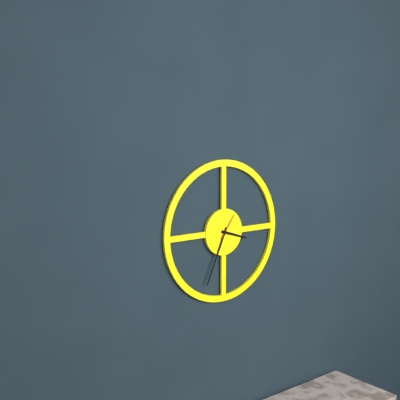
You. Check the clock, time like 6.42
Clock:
3.34
